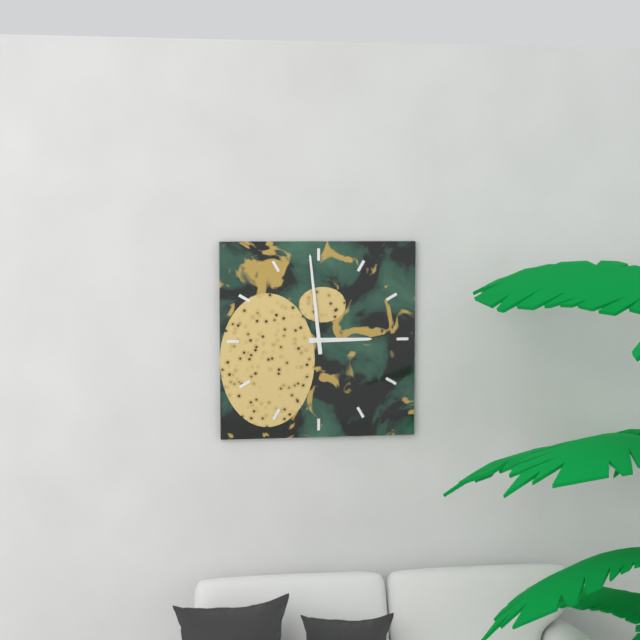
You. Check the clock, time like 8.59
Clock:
2.59
